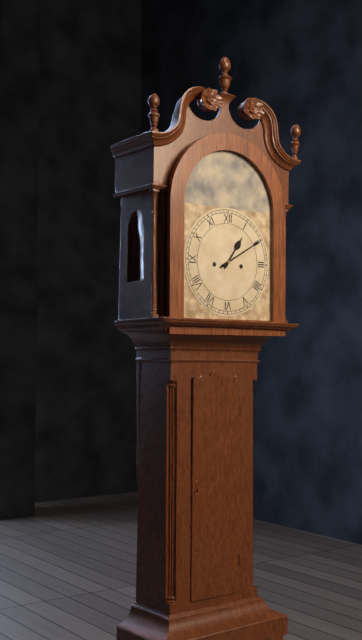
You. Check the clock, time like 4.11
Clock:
1.10
